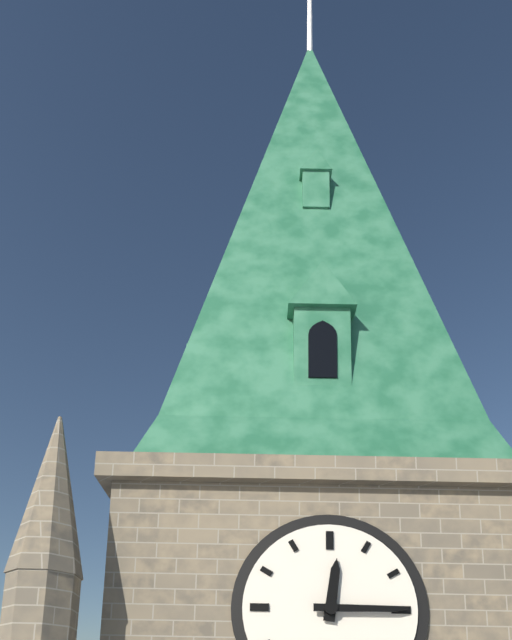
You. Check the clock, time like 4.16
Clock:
12.15
